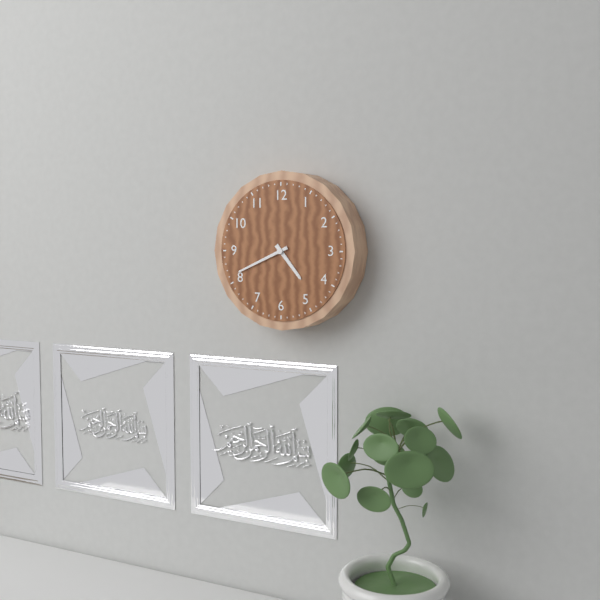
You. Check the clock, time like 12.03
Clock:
4.41
